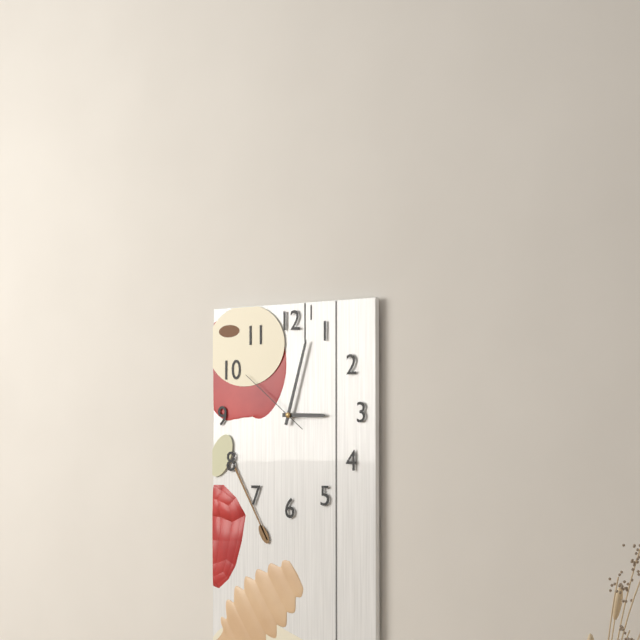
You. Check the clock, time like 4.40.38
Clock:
3.03.51
